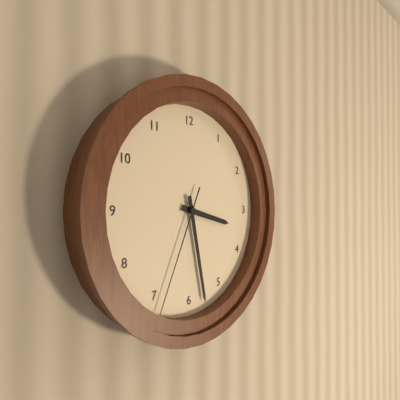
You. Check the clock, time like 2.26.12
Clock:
3.28.34
